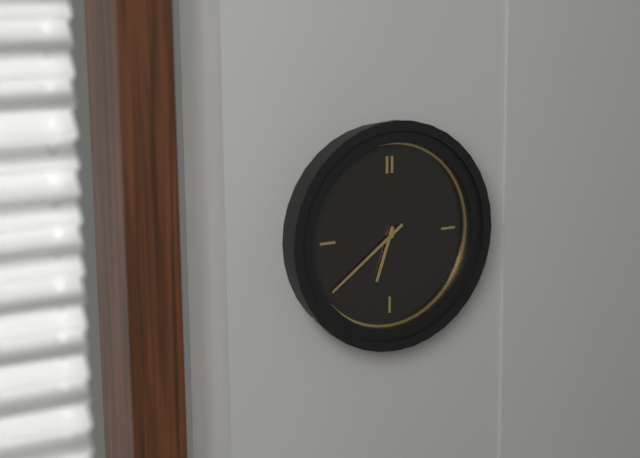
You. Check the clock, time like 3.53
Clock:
6.39
